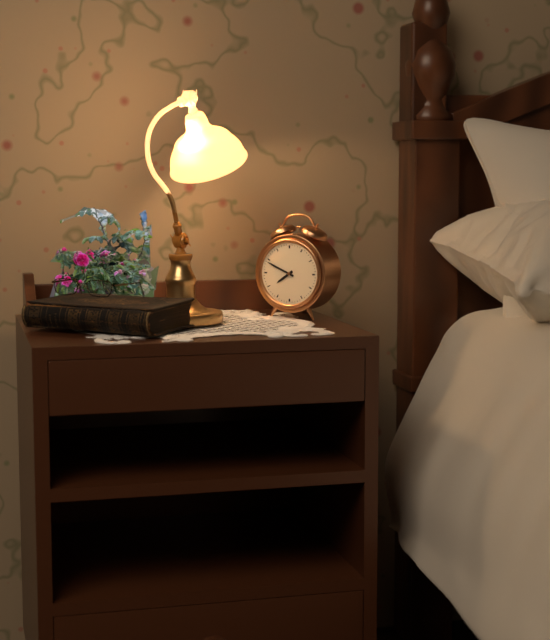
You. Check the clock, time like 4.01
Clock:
7.49
